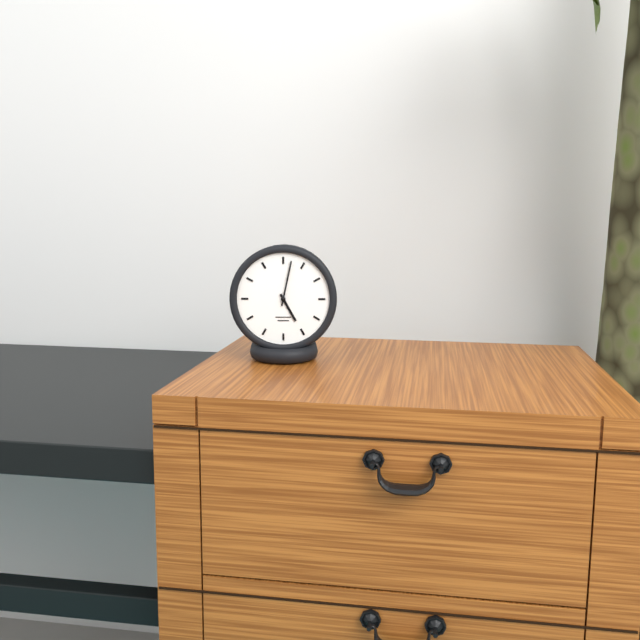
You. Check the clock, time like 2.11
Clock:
5.02
